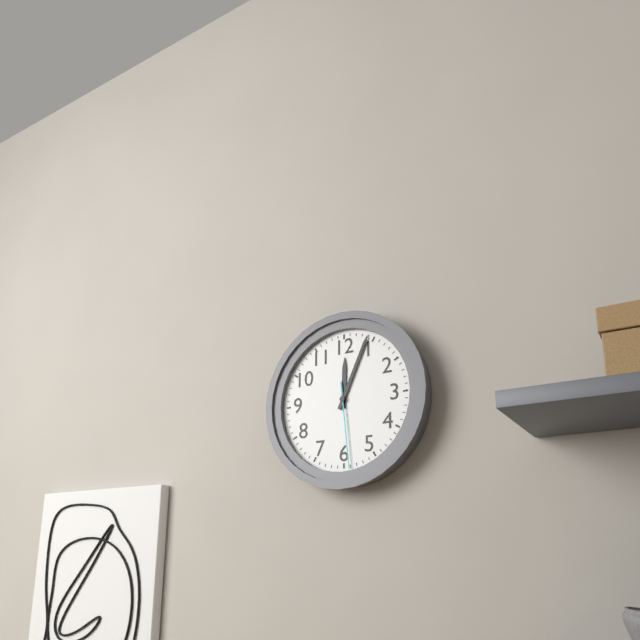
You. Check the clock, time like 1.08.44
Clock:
12.04.29
